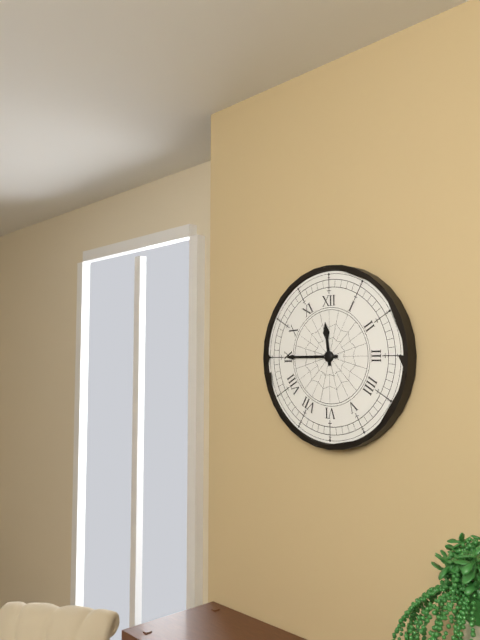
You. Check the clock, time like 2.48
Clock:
11.45
